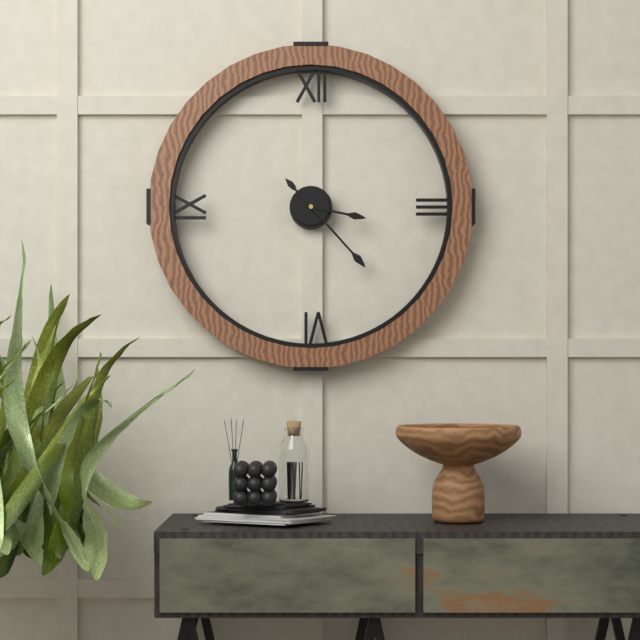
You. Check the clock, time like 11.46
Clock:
3.23
